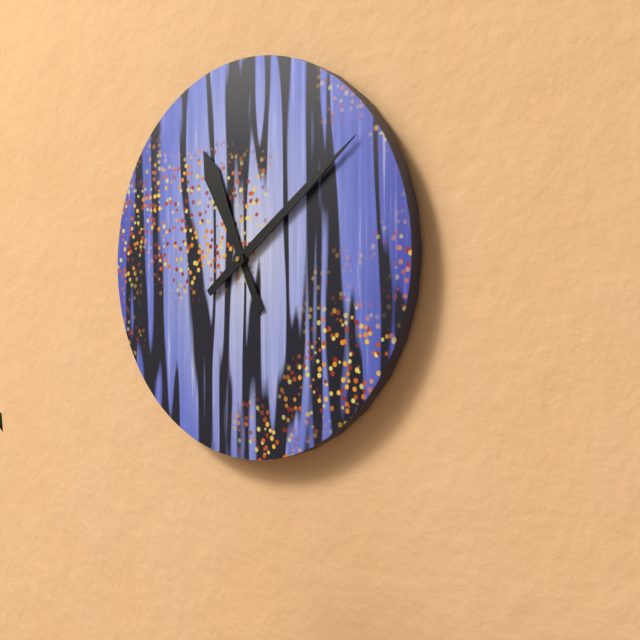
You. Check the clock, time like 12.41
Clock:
11.09
